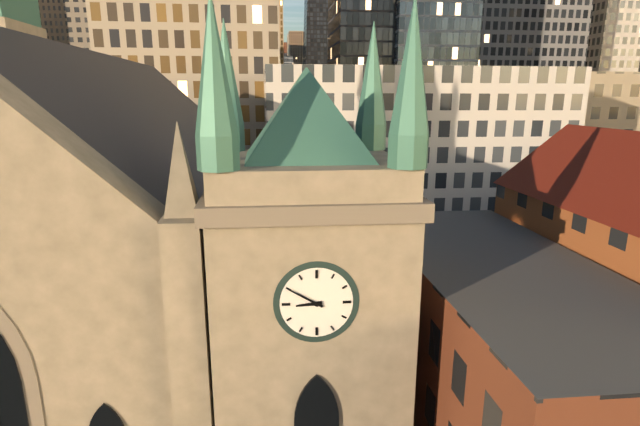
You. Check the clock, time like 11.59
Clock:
8.50
